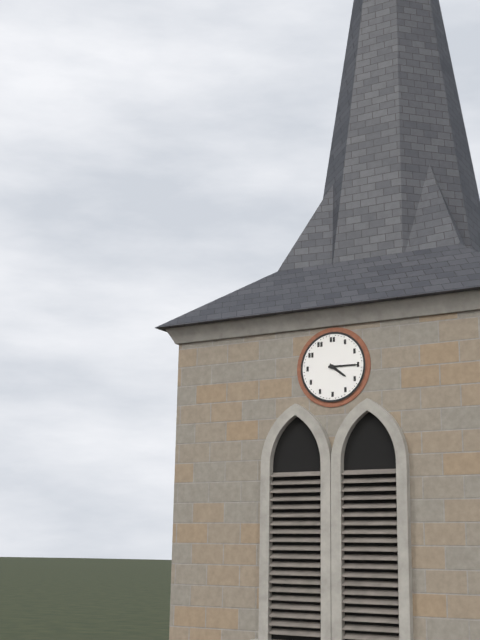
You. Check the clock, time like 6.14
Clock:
4.15
